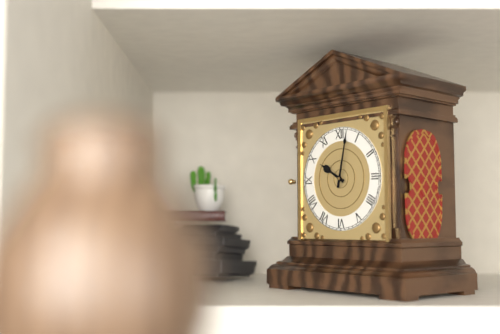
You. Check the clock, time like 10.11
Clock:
10.02
